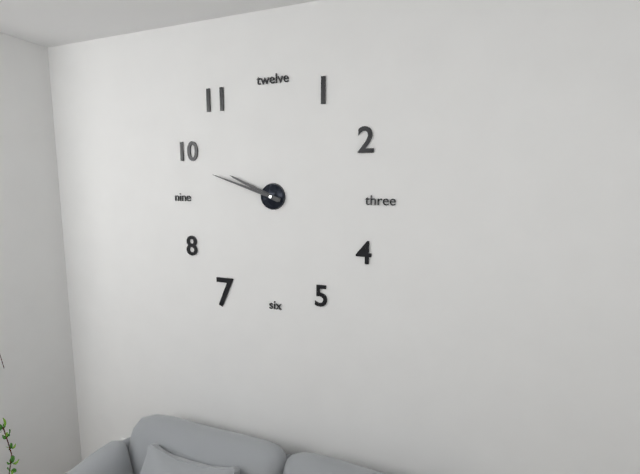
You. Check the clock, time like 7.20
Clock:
9.48
